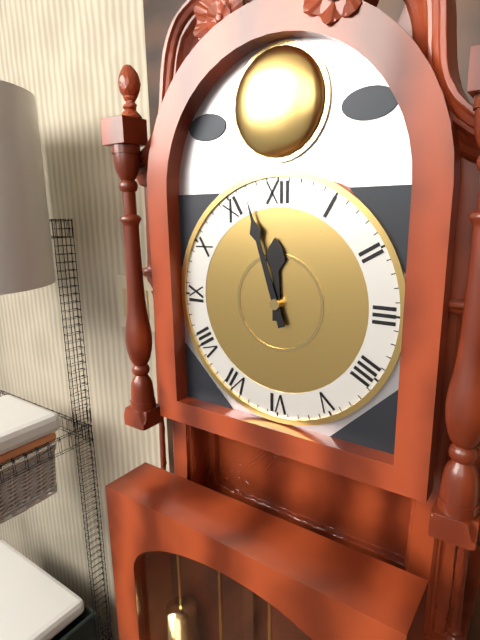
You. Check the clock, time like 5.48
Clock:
11.57
